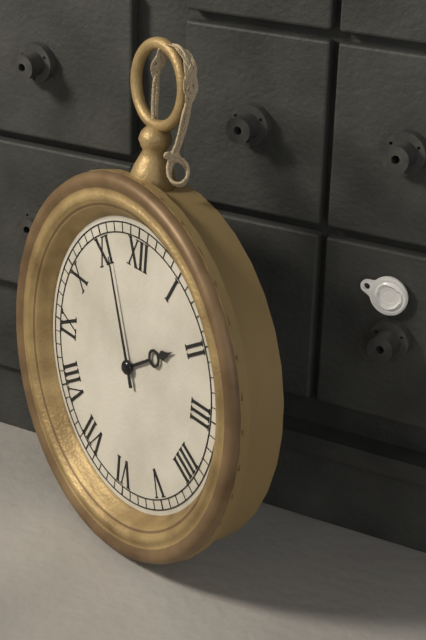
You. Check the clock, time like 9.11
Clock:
1.56
